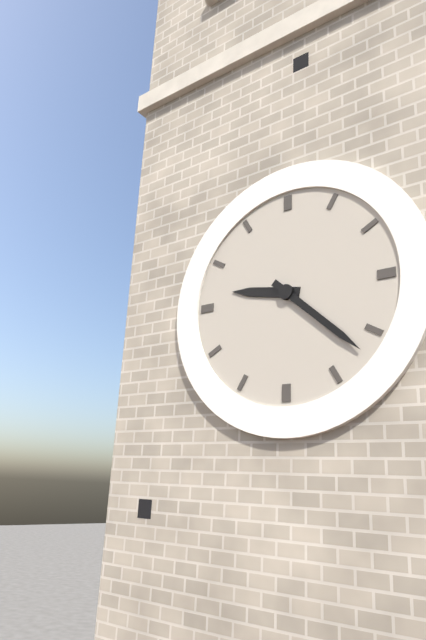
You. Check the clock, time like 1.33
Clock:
9.22
